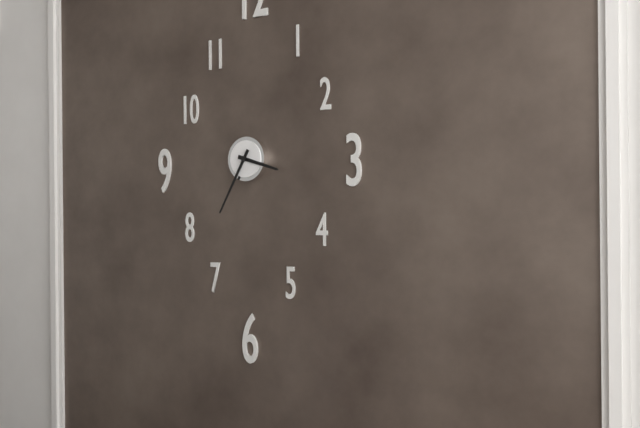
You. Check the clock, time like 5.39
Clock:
3.35
